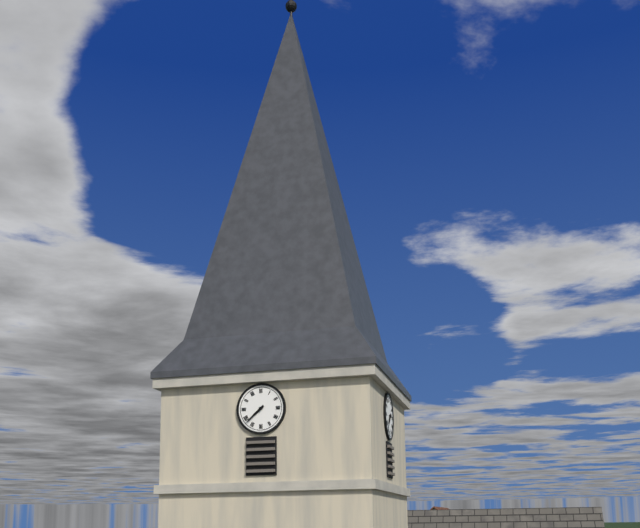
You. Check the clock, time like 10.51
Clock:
7.38
